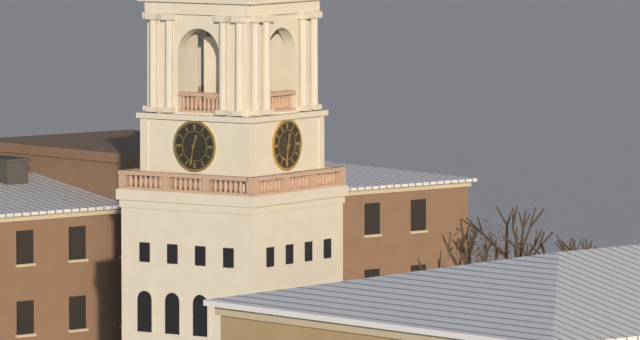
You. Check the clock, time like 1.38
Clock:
12.32
